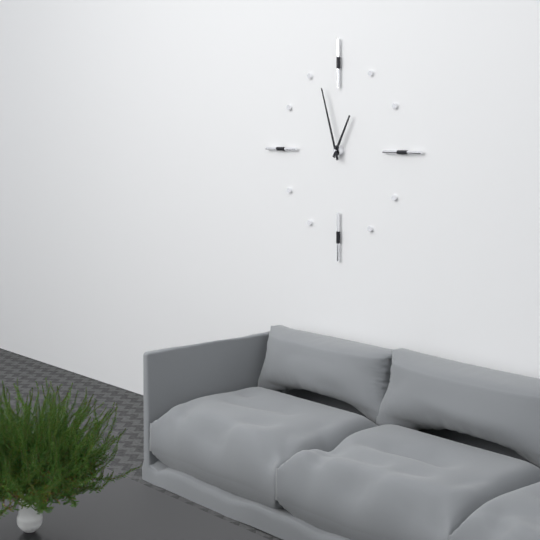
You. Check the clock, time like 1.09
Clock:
12.57
